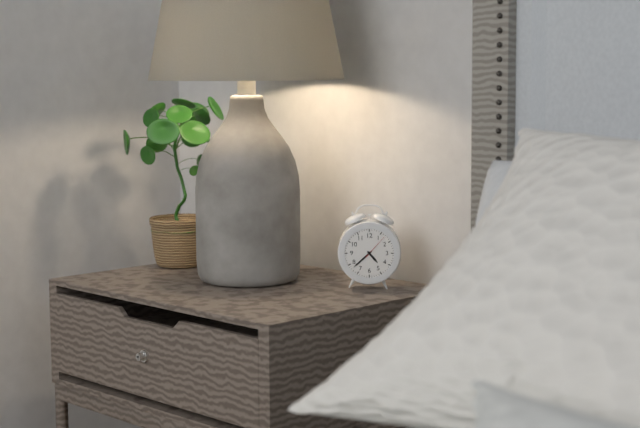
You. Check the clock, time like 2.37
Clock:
4.38
